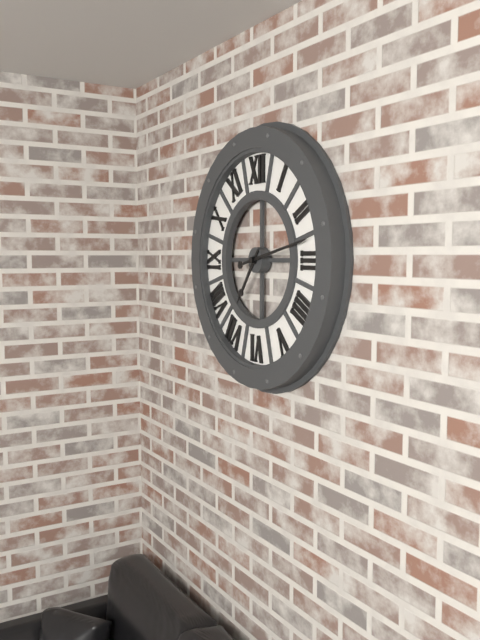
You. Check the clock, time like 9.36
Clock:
7.13
